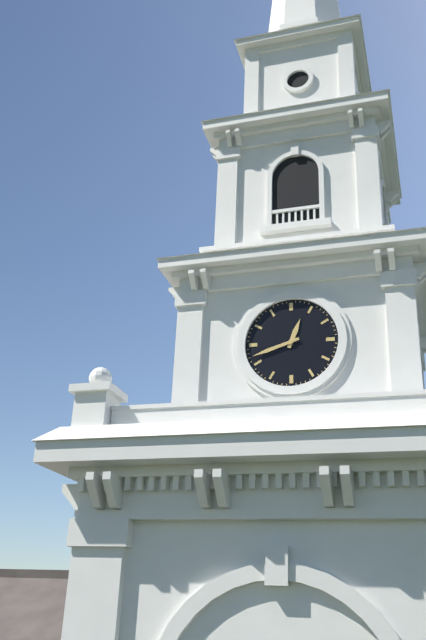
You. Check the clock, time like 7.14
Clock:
12.42
